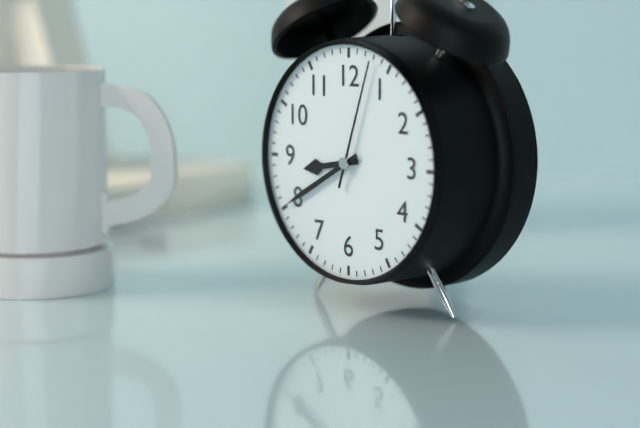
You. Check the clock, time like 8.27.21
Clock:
8.40.03
